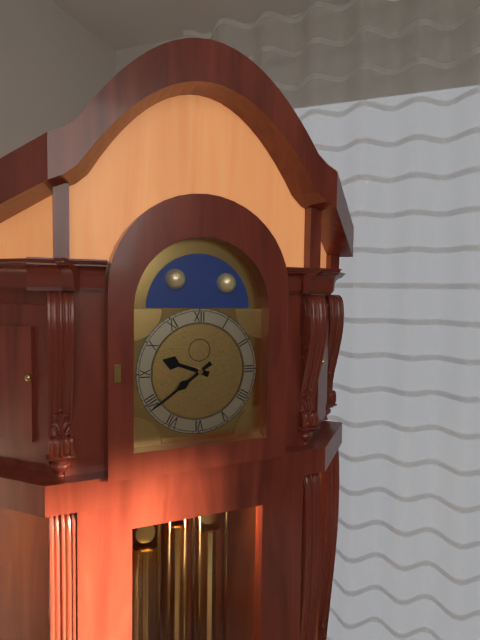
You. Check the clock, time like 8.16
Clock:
9.39
